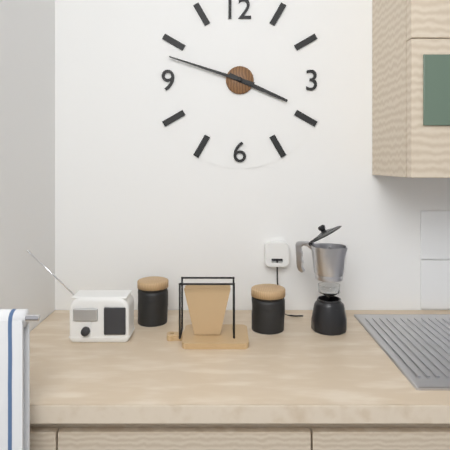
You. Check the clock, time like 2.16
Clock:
3.48
